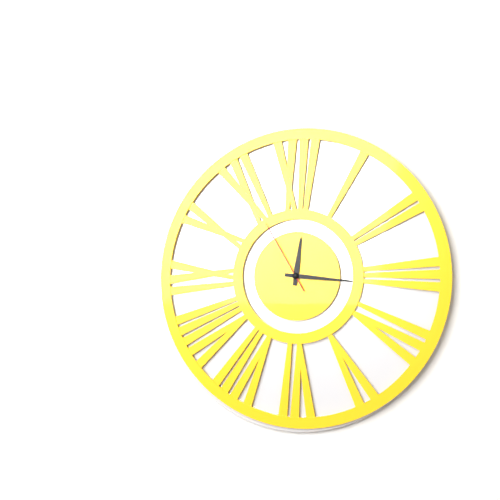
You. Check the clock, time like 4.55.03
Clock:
12.16.55
